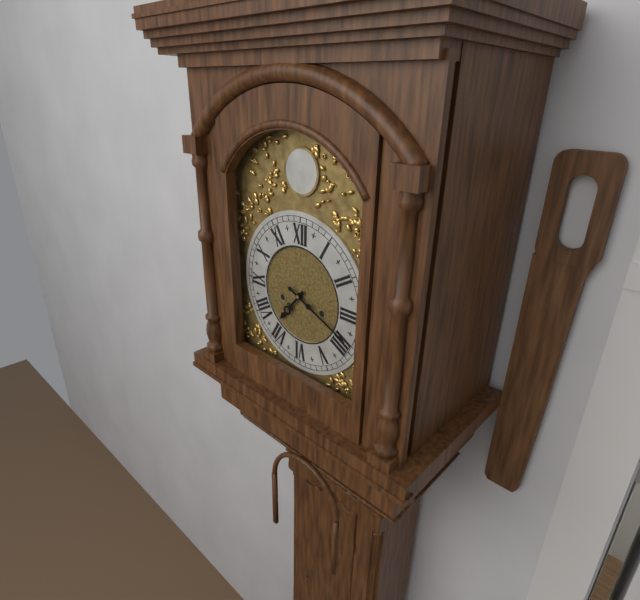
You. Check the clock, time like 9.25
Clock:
7.19
